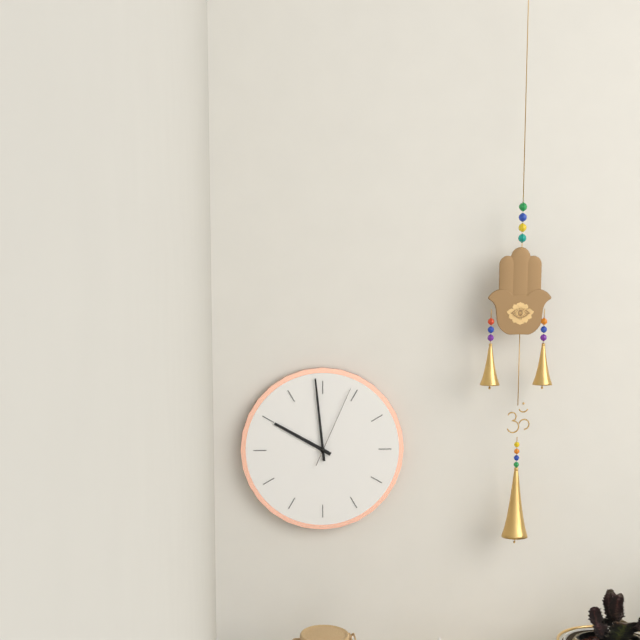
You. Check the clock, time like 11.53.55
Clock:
9.59.04
